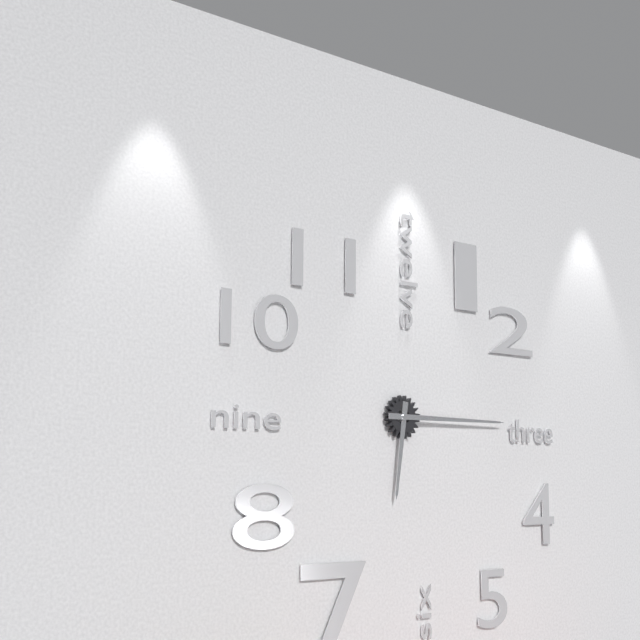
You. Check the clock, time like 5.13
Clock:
6.15
